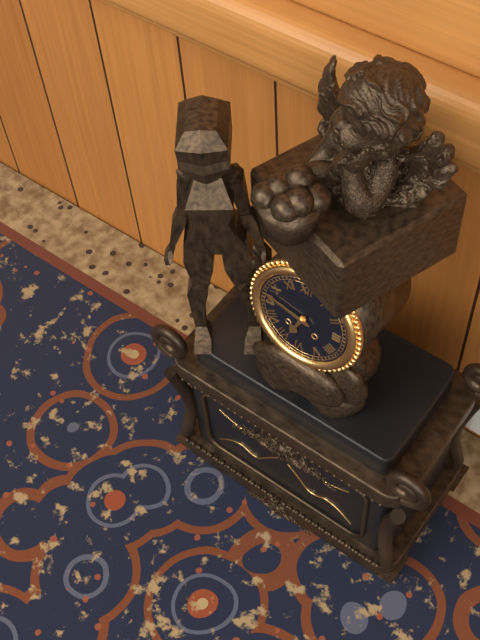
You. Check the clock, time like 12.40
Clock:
6.47
